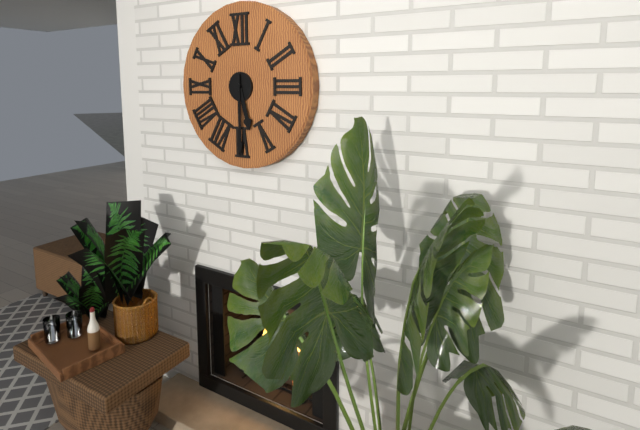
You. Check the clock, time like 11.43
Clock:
5.30
